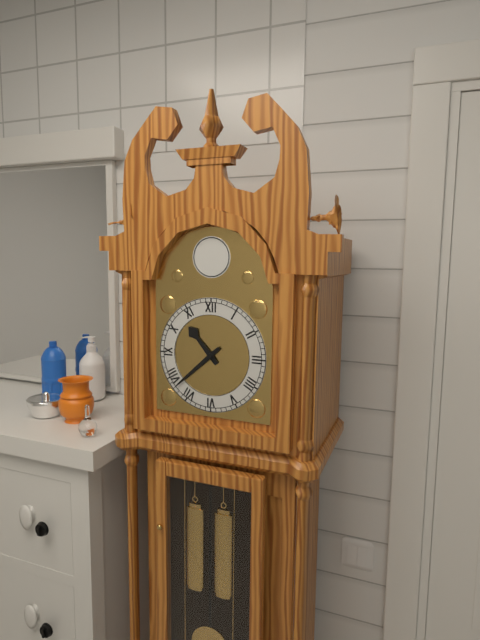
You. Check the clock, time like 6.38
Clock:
10.38
